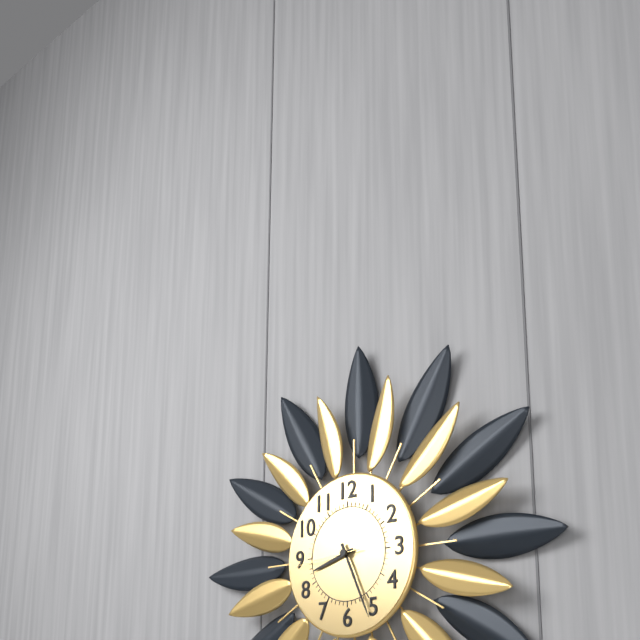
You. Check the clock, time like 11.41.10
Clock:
8.26.44
